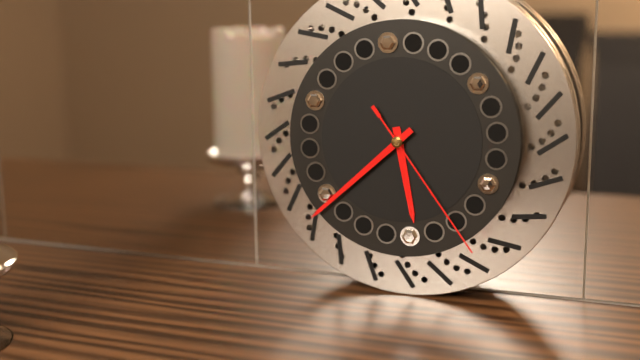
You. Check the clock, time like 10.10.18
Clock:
5.38.24
